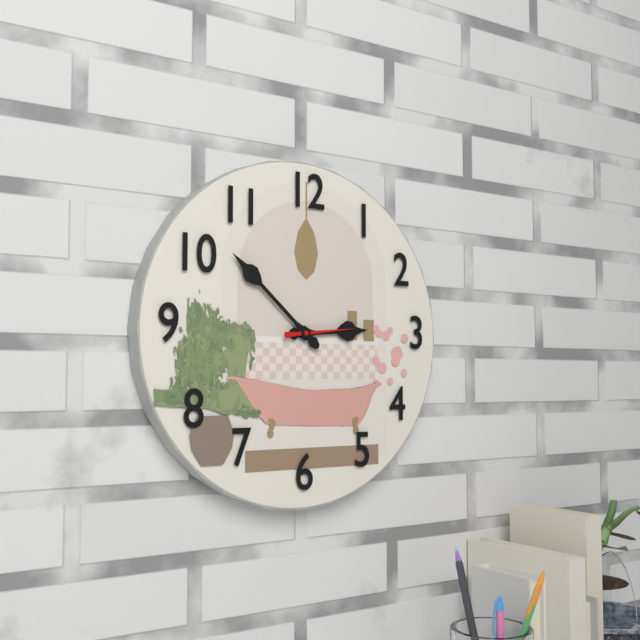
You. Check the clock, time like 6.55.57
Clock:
2.52.14
